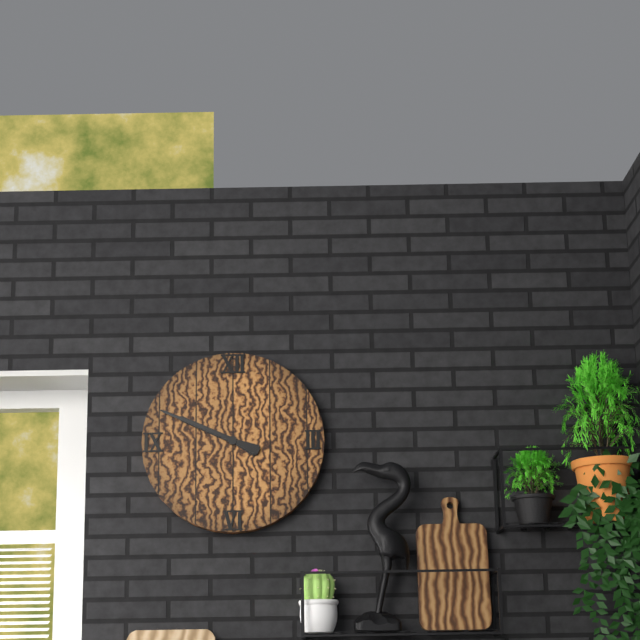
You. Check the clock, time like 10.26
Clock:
9.49
